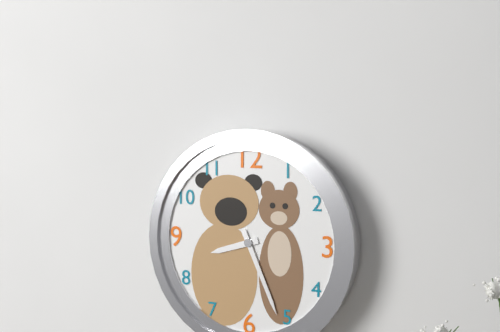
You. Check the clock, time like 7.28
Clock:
8.26
